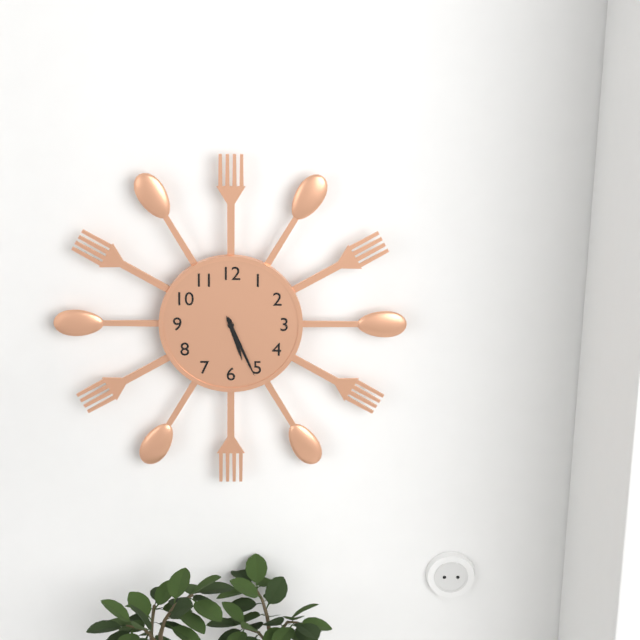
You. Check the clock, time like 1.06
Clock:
5.26
